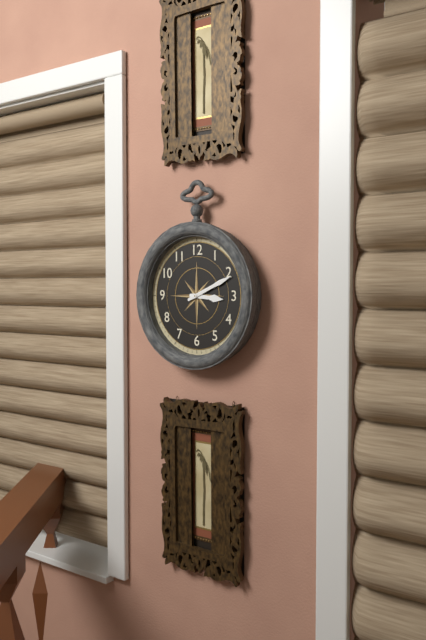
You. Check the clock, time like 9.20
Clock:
3.11
